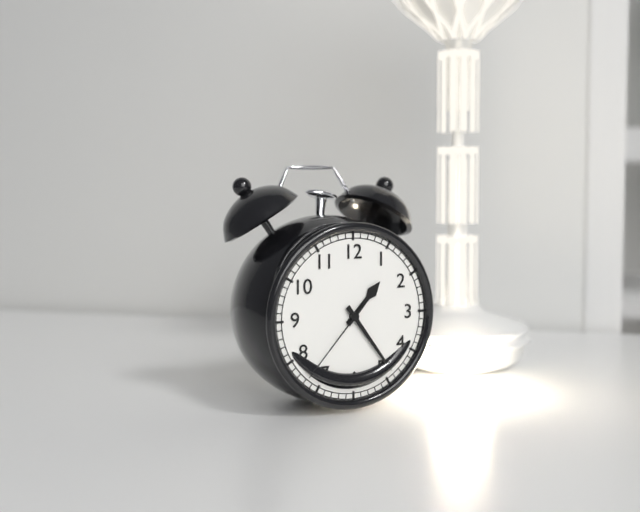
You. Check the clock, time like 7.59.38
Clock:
1.24.37
